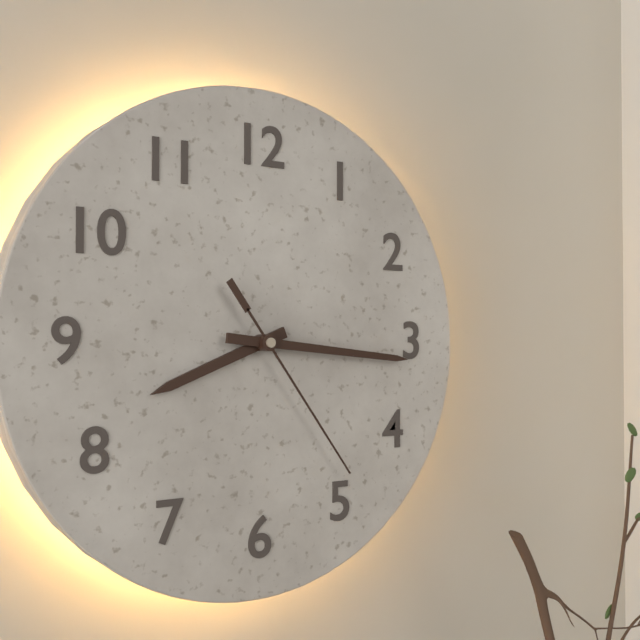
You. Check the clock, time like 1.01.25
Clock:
8.16.24
